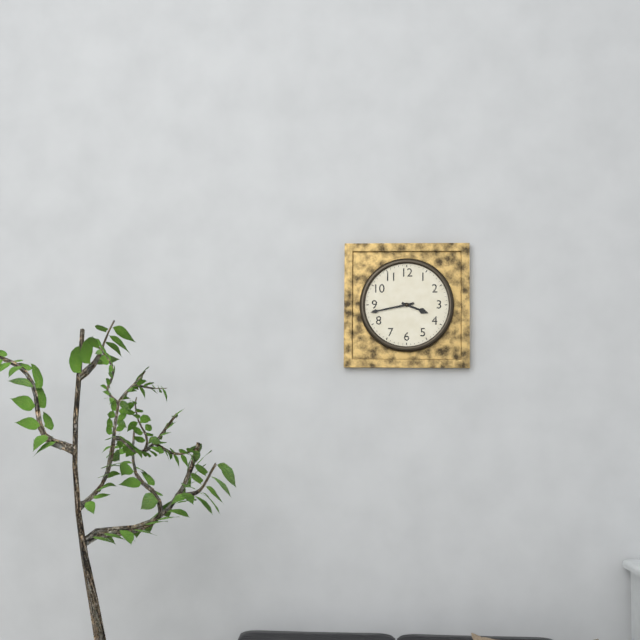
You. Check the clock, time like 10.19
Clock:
3.43
